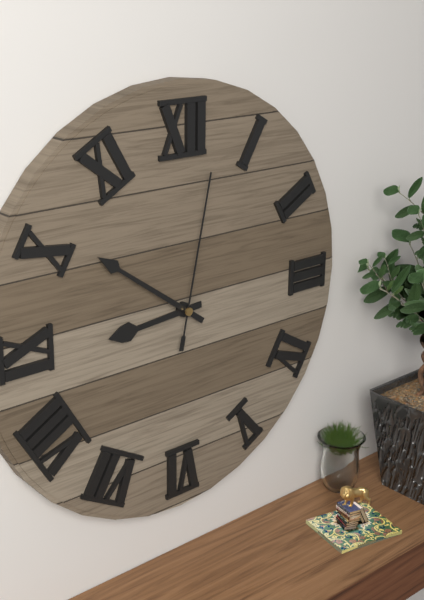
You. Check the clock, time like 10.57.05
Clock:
8.51.02
